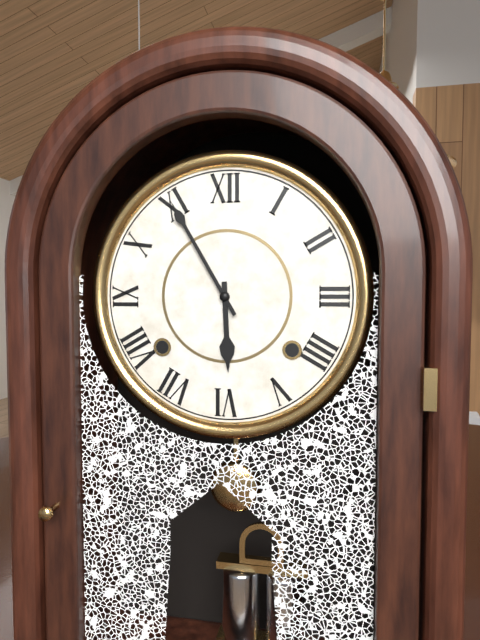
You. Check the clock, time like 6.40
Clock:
5.55
